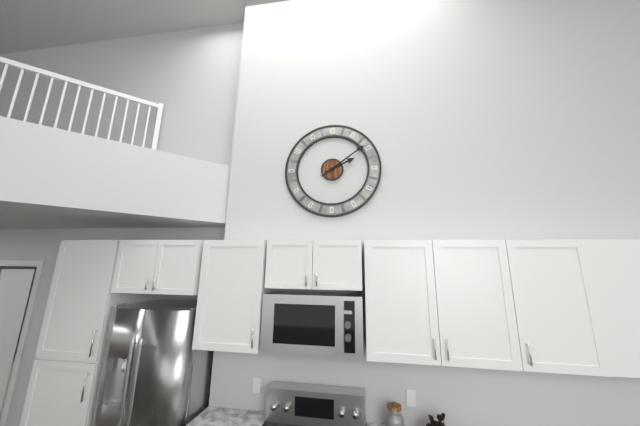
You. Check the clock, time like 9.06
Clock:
2.09
